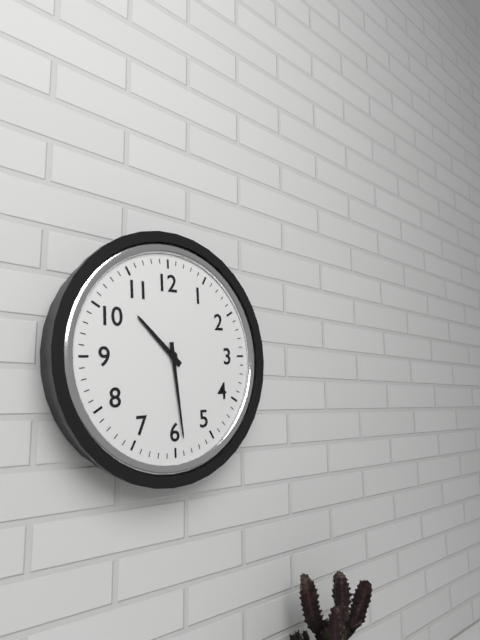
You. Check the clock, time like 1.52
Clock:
10.29
